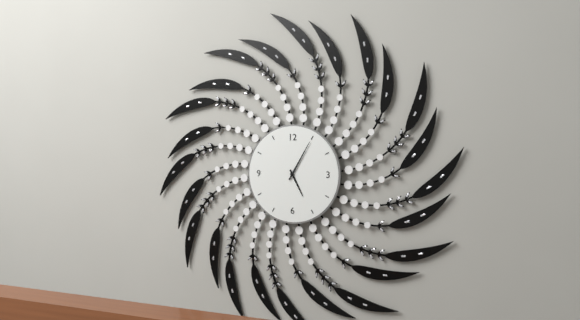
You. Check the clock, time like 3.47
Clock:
5.05
